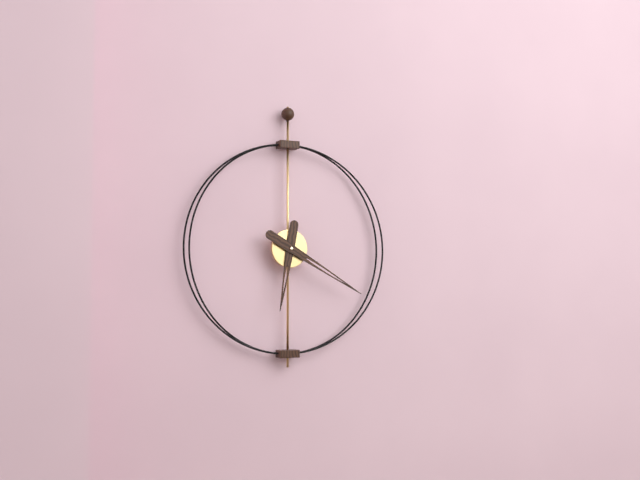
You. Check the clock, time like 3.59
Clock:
6.20
